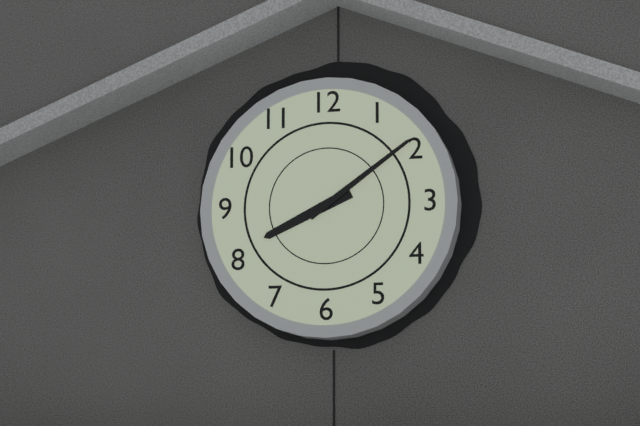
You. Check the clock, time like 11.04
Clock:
8.09
